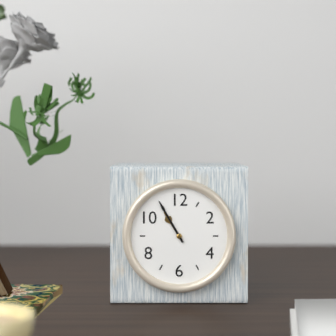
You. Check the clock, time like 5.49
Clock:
10.55
